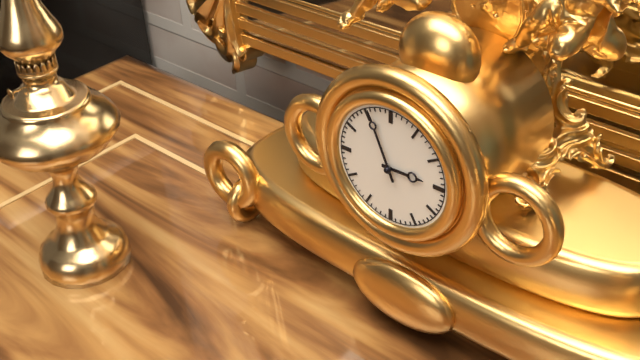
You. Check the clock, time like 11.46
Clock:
2.56
